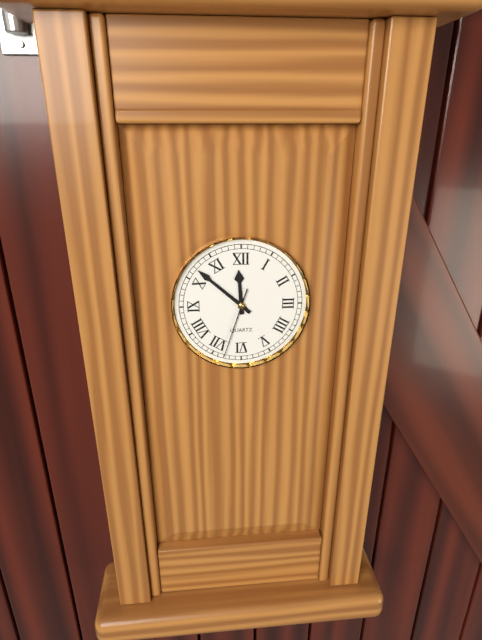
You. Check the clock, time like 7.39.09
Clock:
11.52.33
